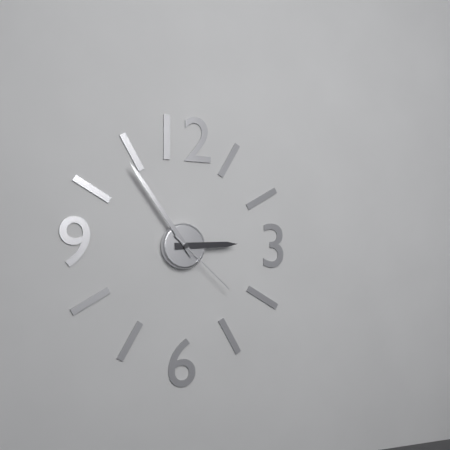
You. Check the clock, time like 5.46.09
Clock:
2.54.22
